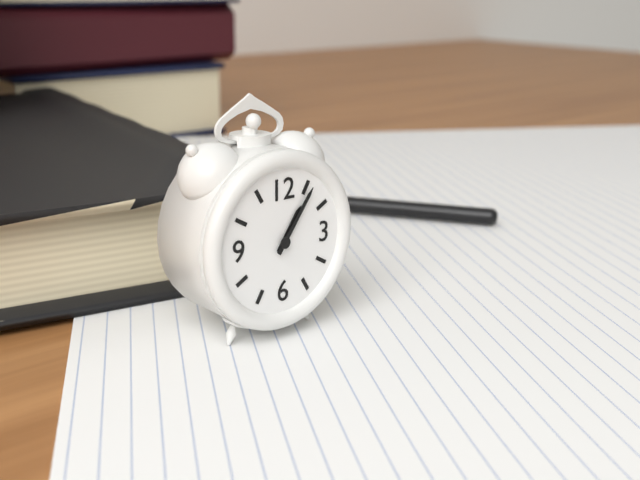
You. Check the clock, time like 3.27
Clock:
1.06
